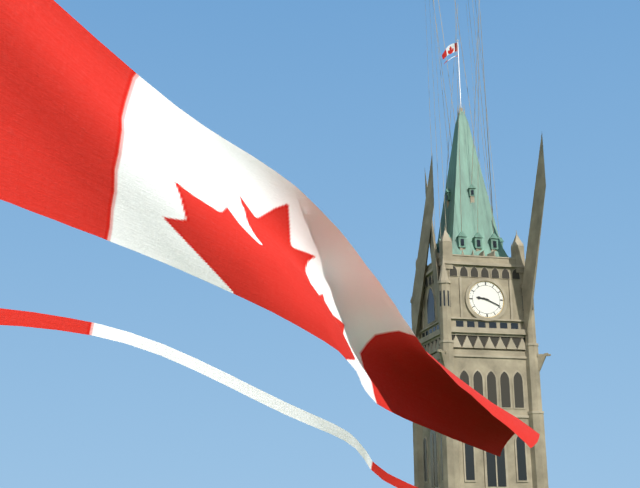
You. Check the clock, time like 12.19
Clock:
9.19
